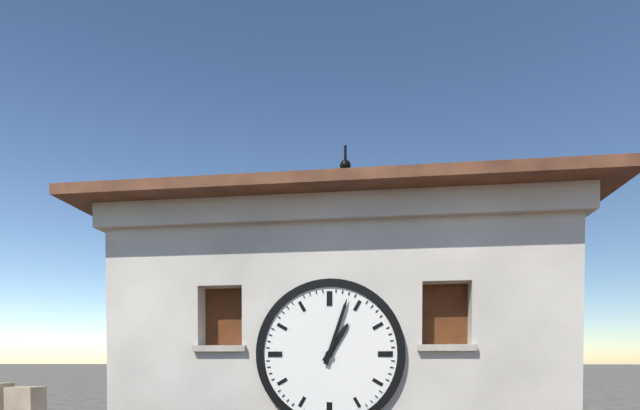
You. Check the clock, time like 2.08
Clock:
1.03
